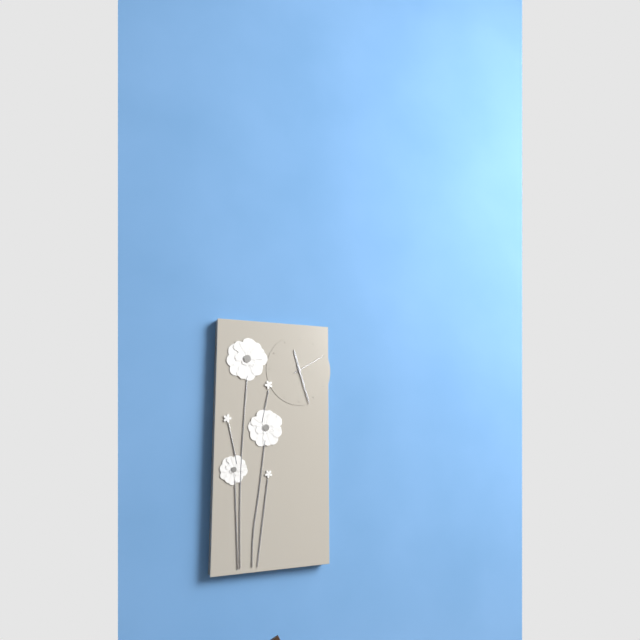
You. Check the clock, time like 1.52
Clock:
11.27
